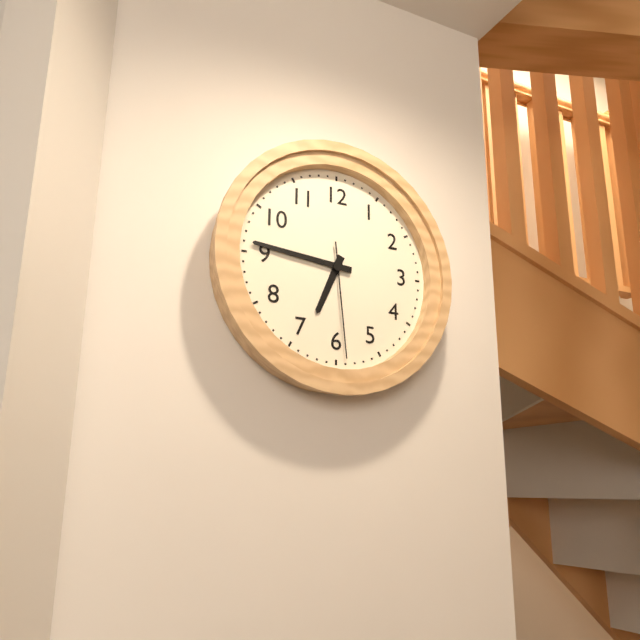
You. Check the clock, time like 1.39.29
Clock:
6.46.29
